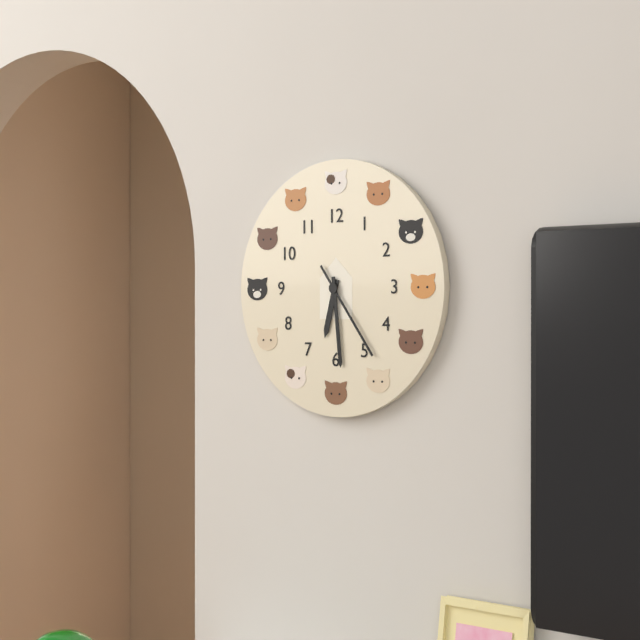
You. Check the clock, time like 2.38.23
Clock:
6.29.24
